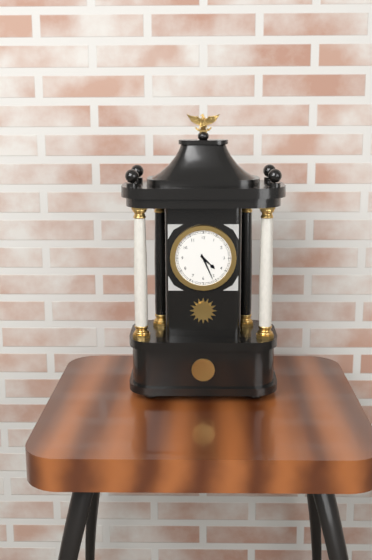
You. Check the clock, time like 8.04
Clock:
4.26
